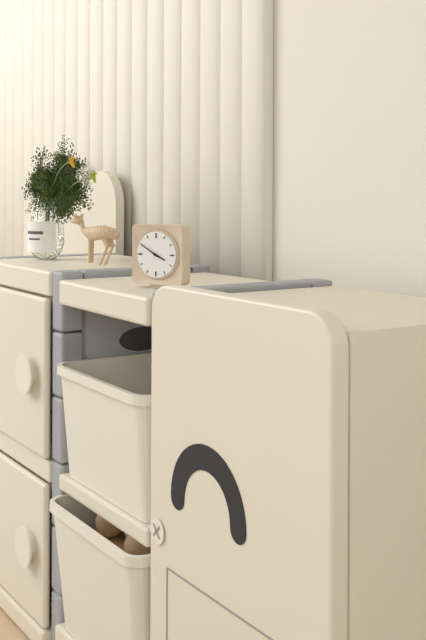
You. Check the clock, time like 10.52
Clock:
3.50
